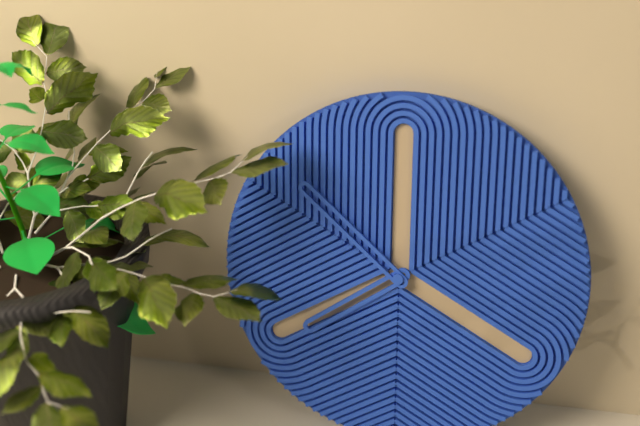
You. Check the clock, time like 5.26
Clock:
7.52
